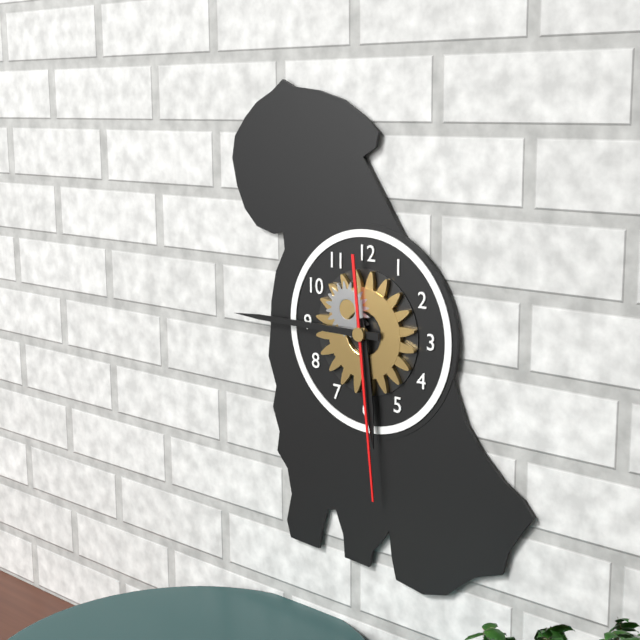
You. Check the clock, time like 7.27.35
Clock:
5.45.29
